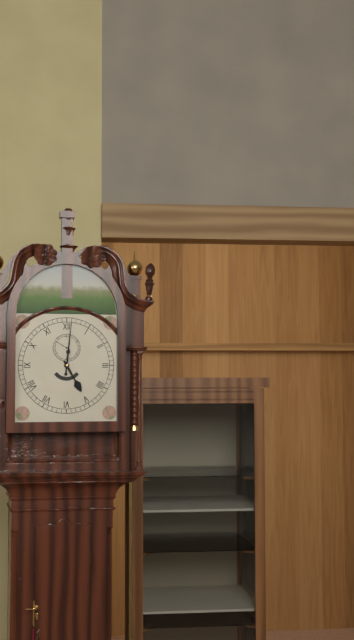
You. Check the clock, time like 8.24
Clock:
5.01
